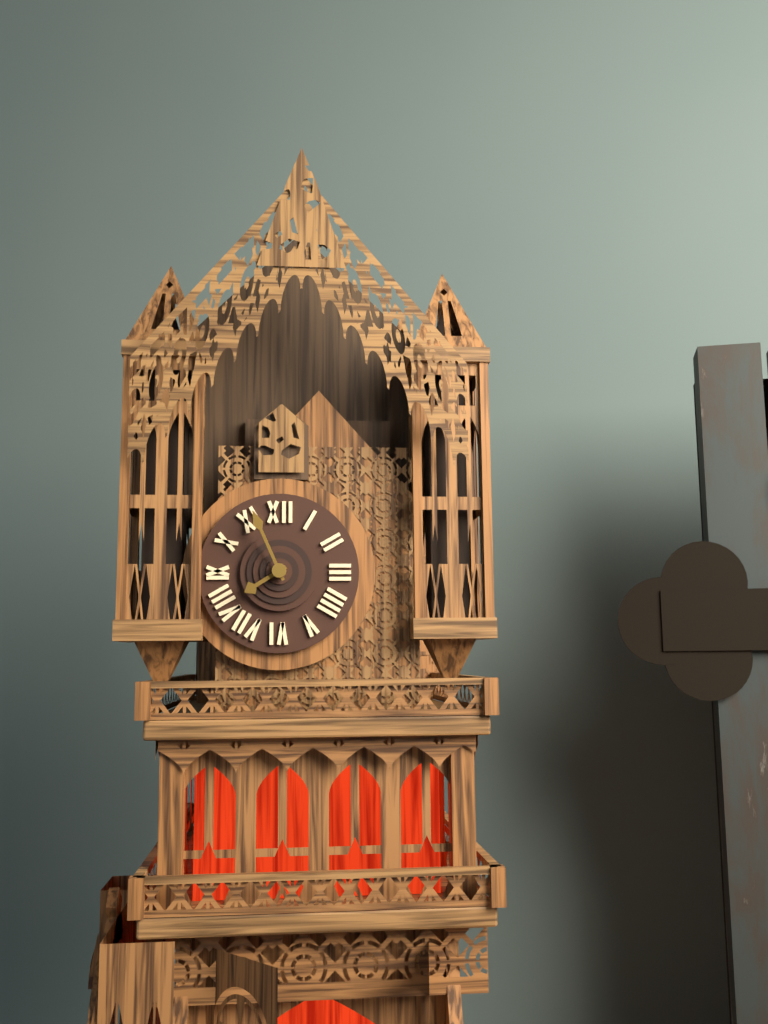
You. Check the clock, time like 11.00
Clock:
7.56
